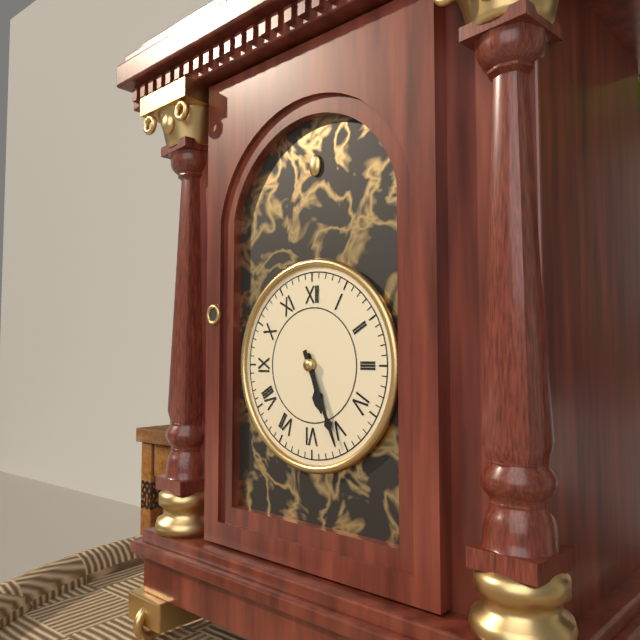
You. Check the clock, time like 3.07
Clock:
5.26
